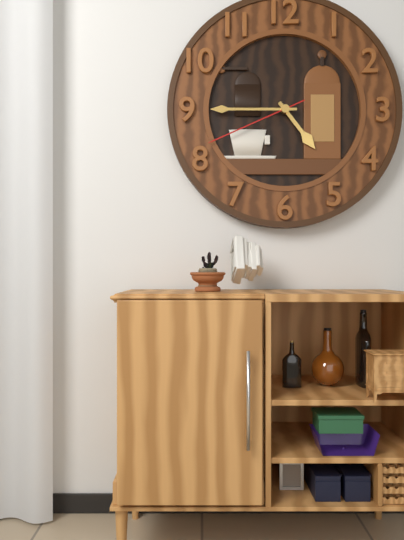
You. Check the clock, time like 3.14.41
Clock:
4.45.41
